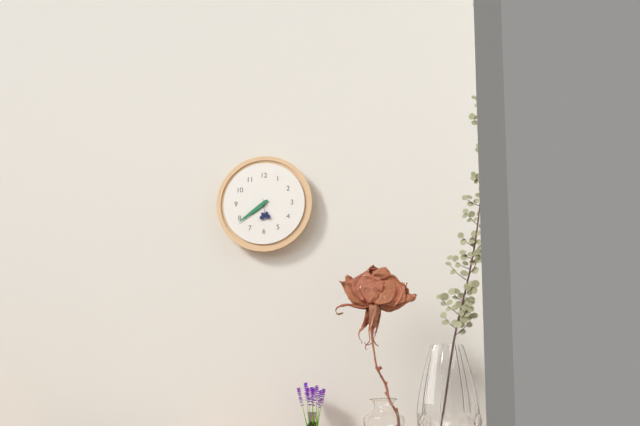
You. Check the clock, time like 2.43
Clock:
7.39
